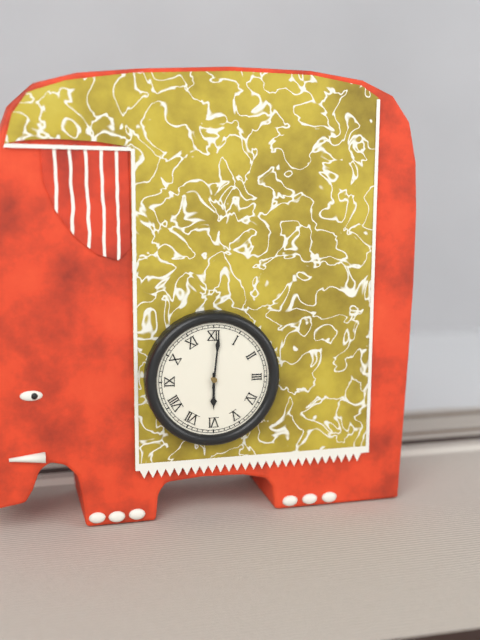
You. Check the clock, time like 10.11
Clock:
6.01
